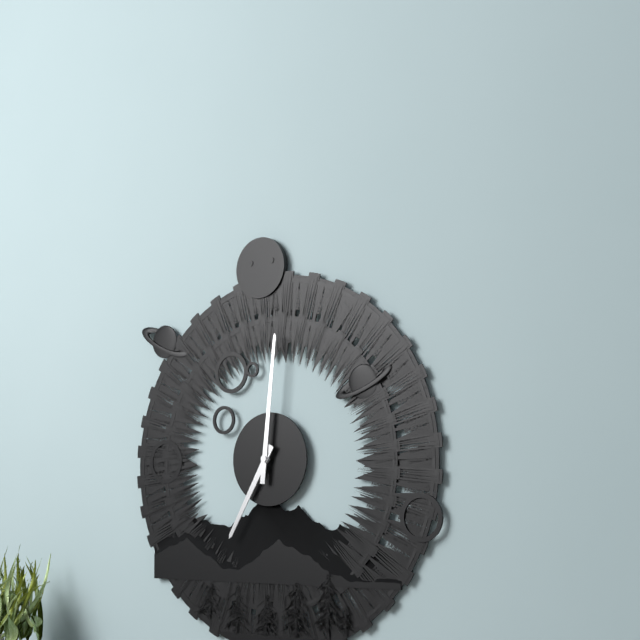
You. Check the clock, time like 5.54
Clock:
7.01
